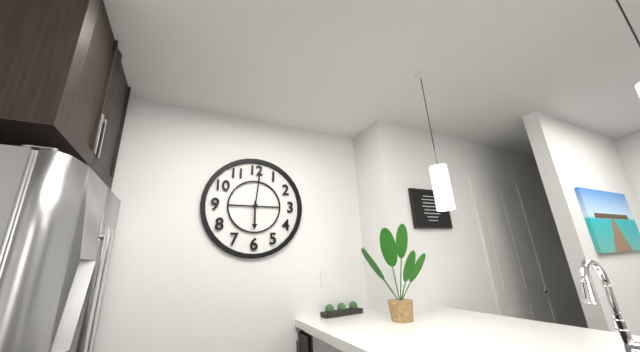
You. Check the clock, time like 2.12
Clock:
6.01
